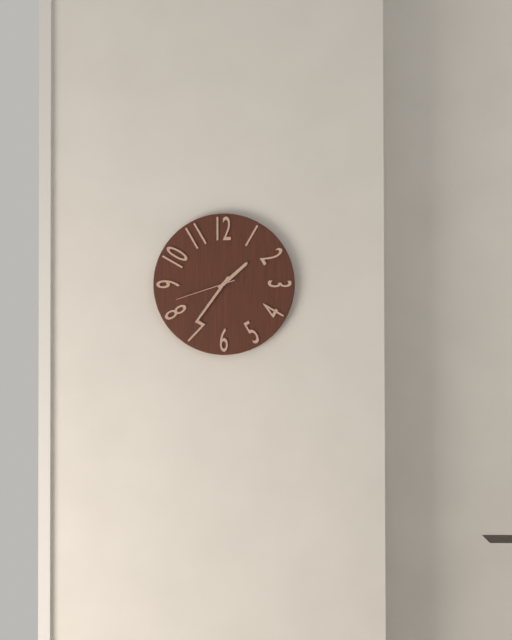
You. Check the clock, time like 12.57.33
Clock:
1.36.42
